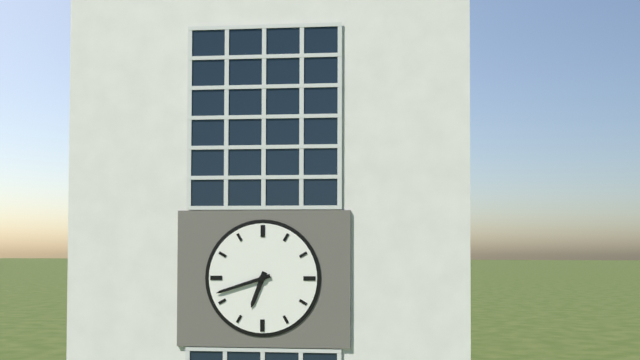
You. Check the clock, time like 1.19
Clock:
6.42
